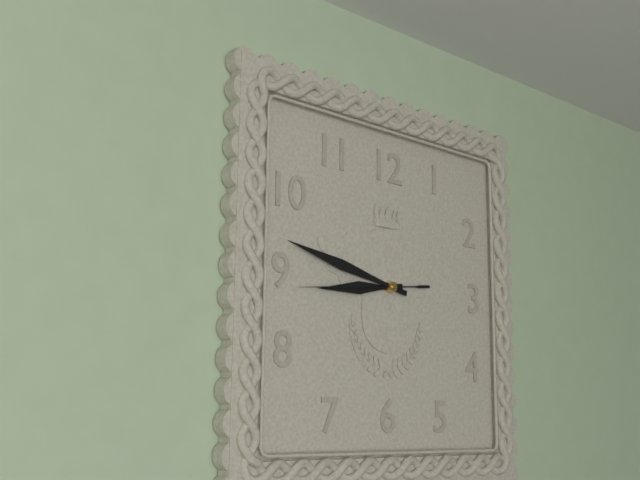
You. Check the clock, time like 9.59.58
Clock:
8.47.44
